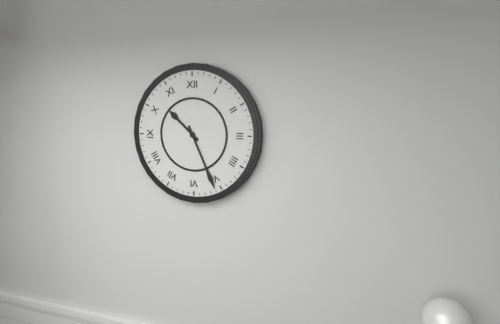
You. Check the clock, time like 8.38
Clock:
10.26
